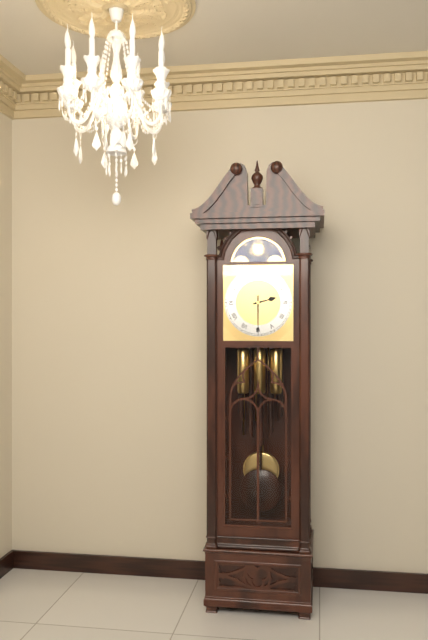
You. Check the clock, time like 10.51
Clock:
2.30
